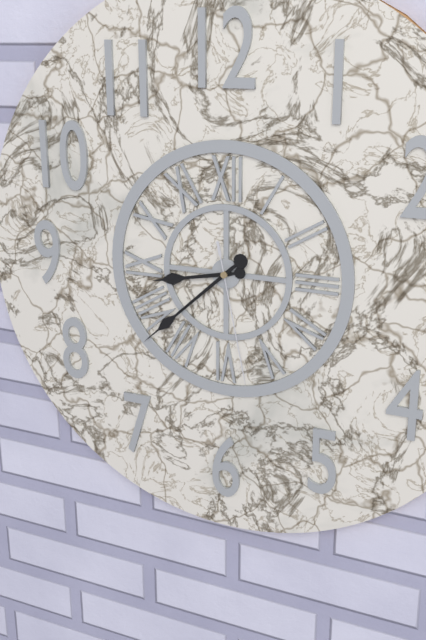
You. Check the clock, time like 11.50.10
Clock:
8.38.28
